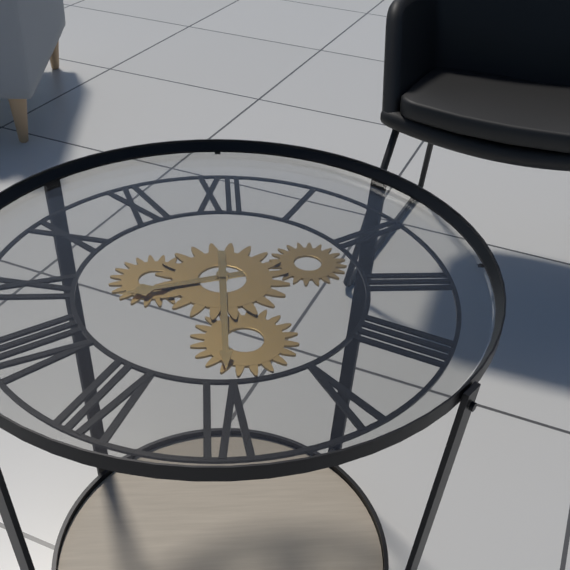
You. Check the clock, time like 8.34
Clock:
8.30
